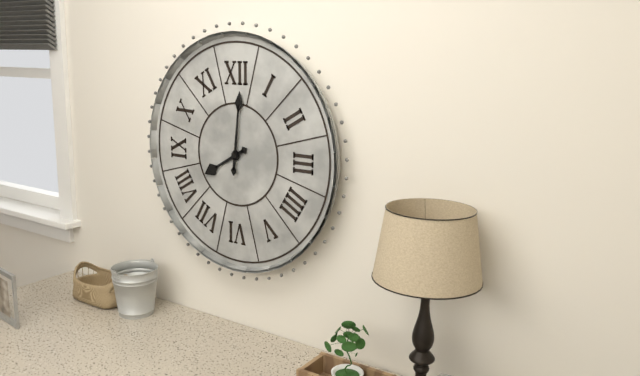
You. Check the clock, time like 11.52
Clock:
8.01
